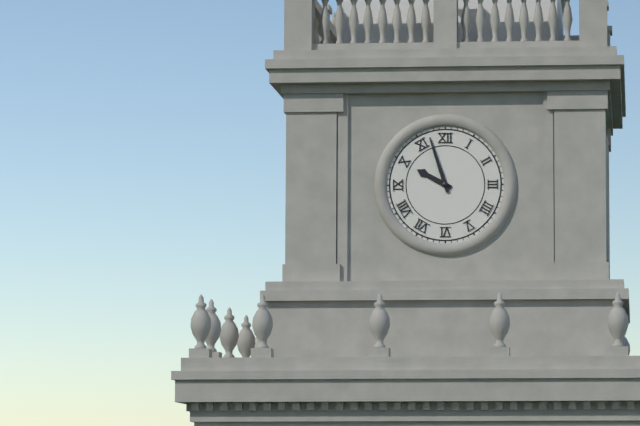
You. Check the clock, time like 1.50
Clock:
9.57
